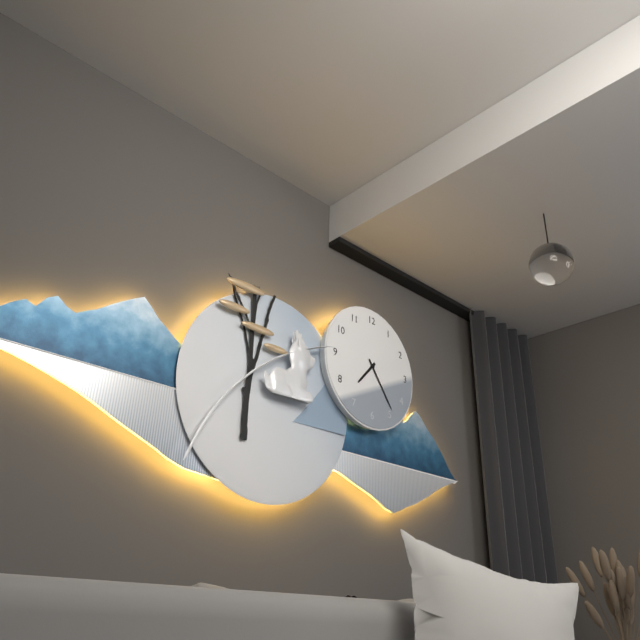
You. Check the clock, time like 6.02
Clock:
7.24
